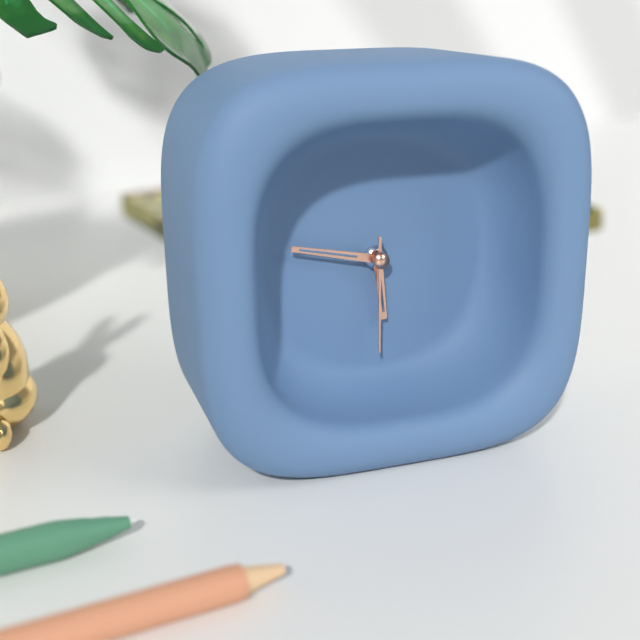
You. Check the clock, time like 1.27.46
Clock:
5.47.30
